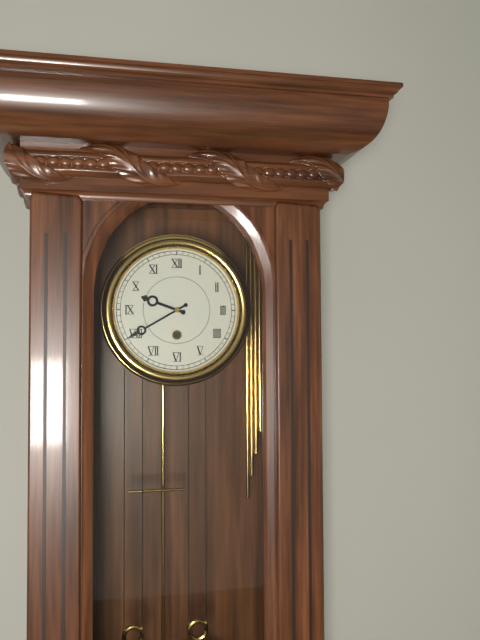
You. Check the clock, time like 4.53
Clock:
9.40
